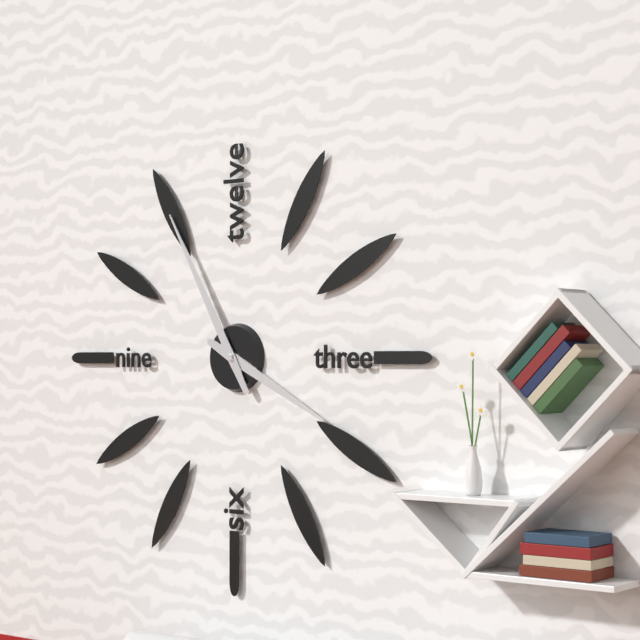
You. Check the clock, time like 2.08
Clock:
3.55
